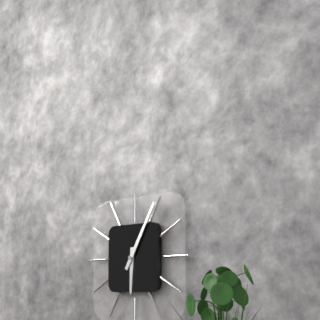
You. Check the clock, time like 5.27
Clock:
6.05
